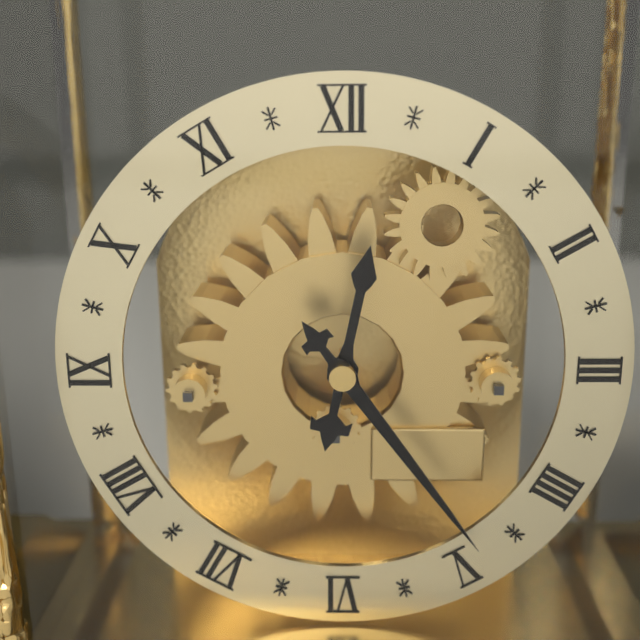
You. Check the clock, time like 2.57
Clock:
12.24
